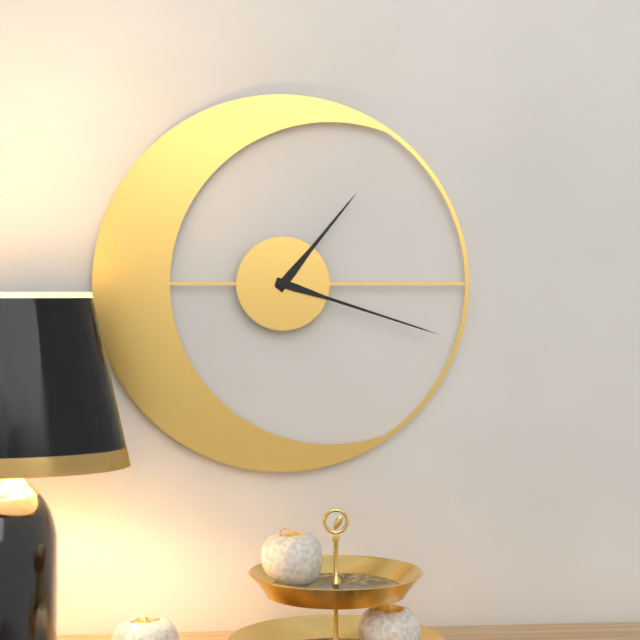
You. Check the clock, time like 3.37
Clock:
1.18
